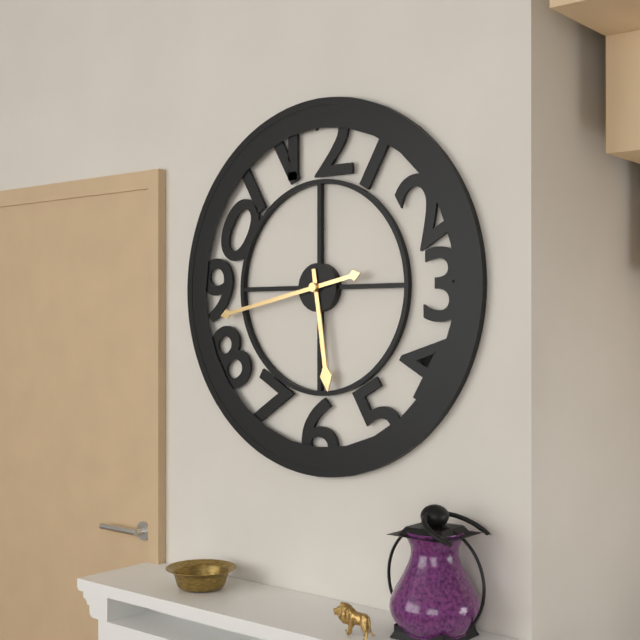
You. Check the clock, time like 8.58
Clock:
5.43
